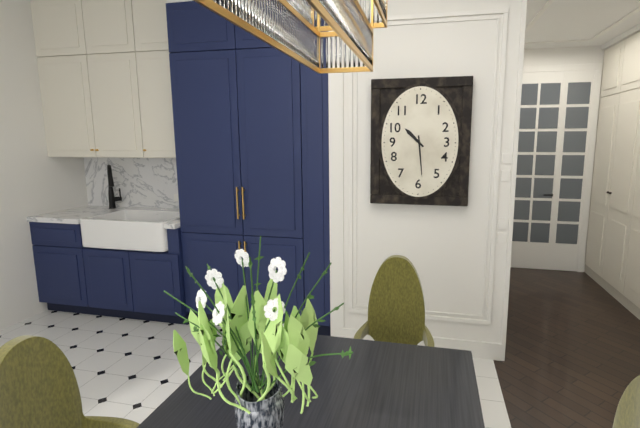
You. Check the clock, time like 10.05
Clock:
10.29
